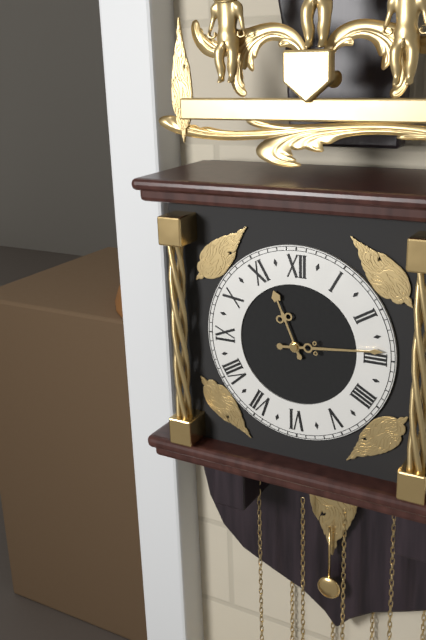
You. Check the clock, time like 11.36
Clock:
11.14
